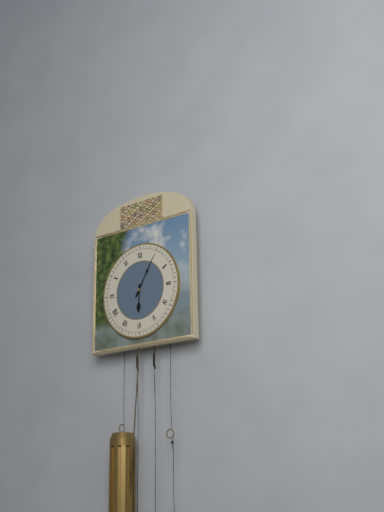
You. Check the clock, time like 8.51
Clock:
6.05
